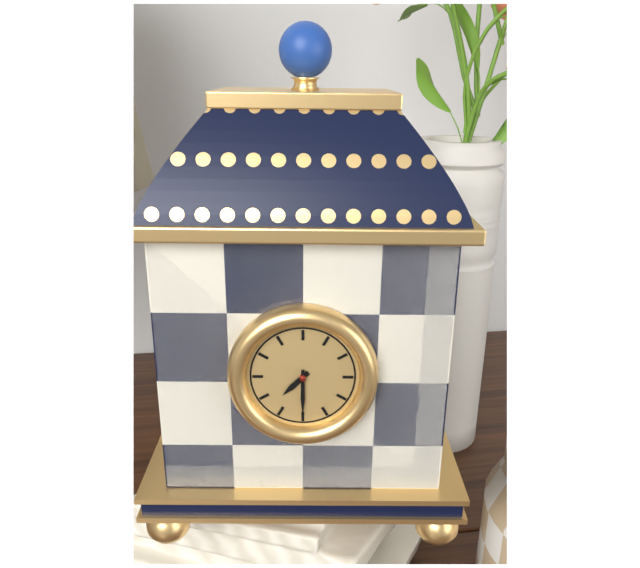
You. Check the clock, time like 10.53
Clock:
7.30
